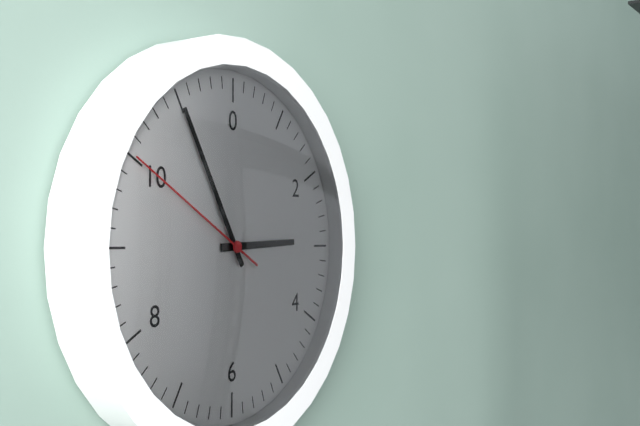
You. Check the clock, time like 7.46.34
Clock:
2.55.50
